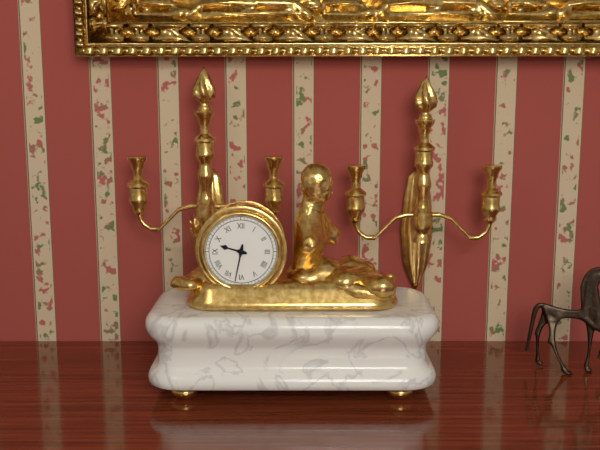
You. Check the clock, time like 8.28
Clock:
9.32
